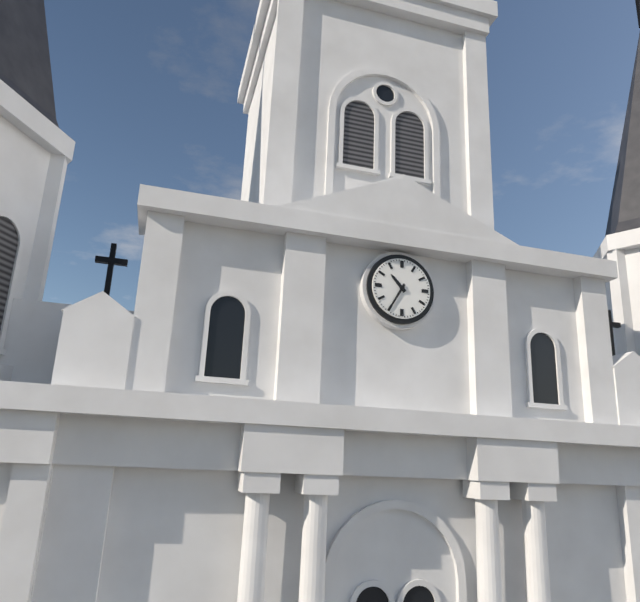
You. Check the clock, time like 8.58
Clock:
10.35
